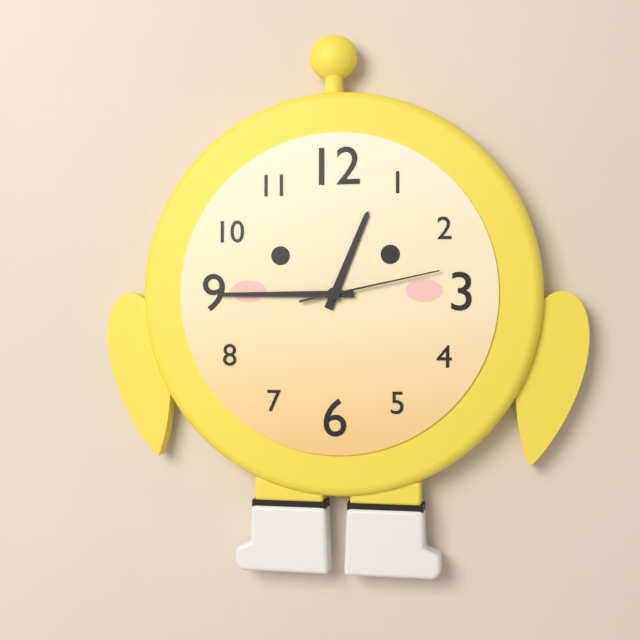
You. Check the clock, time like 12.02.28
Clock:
12.45.13
